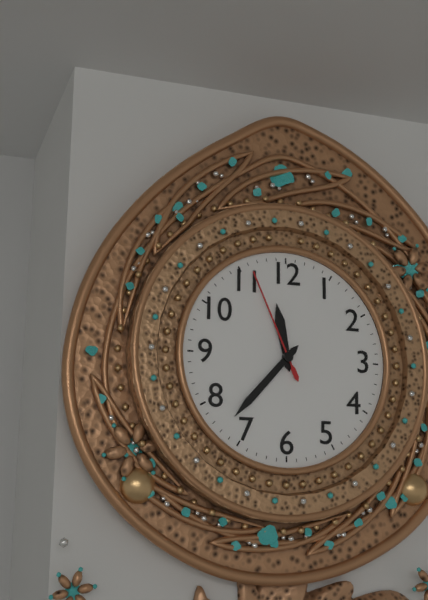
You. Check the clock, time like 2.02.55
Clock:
11.37.56
